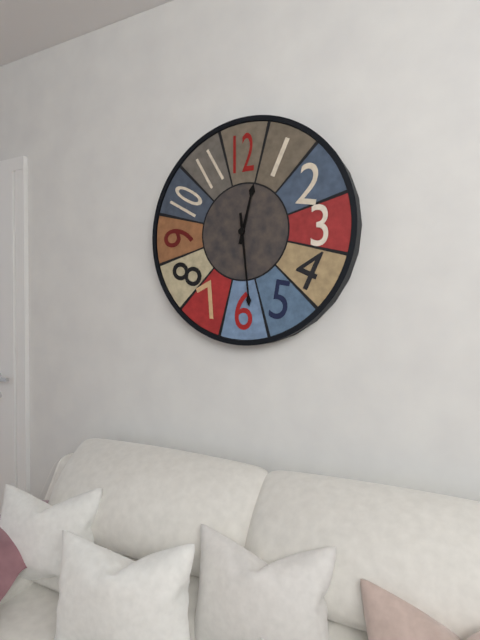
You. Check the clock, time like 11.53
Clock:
12.29
